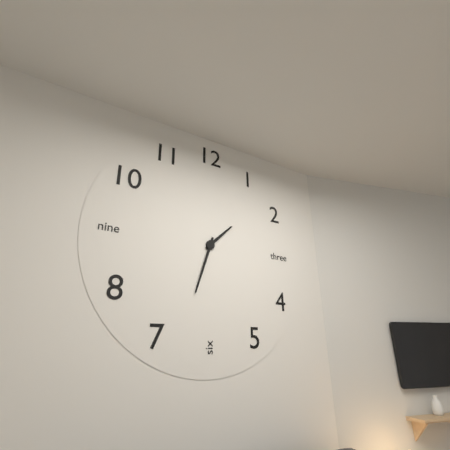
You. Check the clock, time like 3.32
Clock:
1.33
